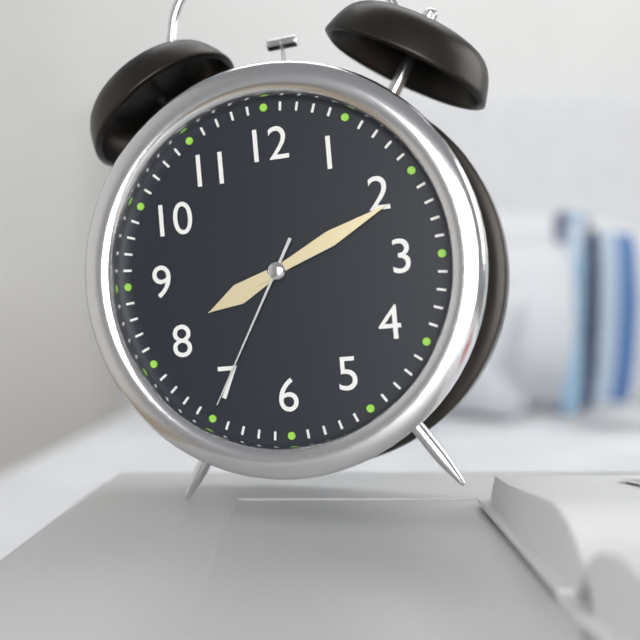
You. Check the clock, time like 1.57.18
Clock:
8.11.35
